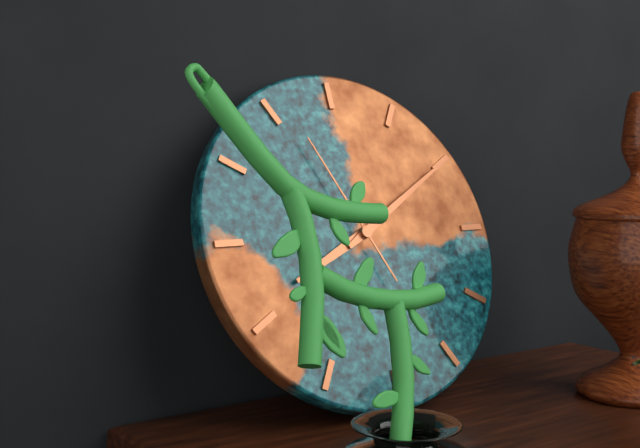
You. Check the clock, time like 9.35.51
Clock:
8.10.56
